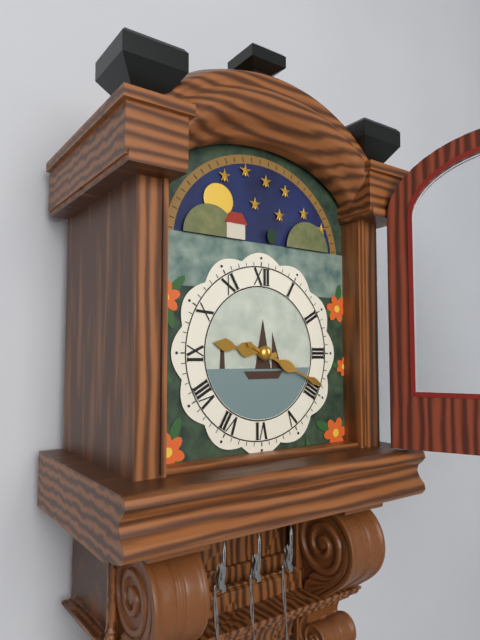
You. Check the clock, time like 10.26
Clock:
9.19
